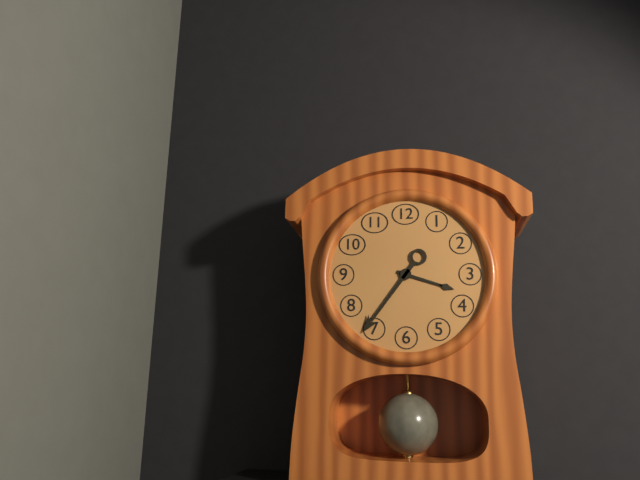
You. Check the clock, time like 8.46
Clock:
3.36
